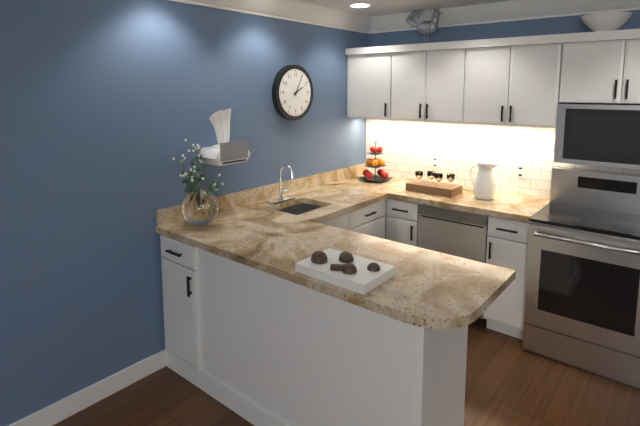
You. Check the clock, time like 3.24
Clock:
2.05
